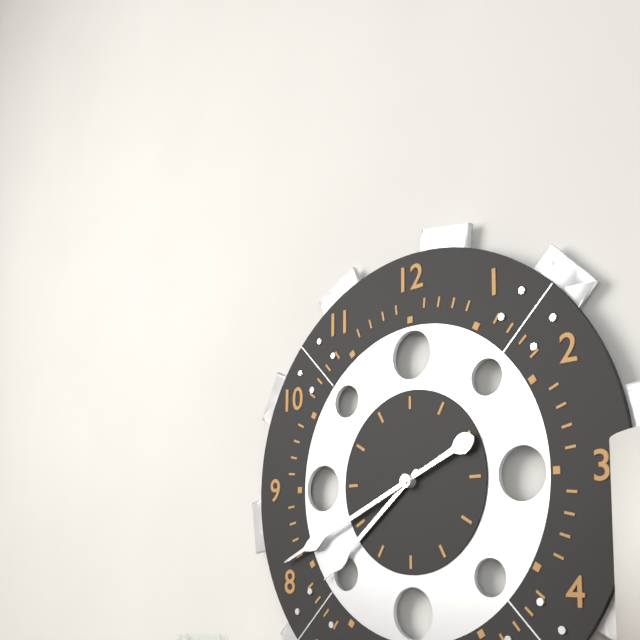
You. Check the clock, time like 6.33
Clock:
7.41
